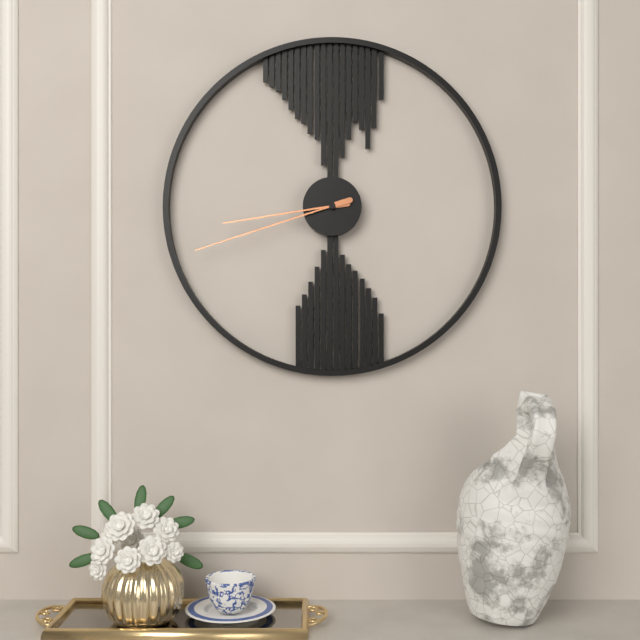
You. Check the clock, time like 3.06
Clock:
8.42
